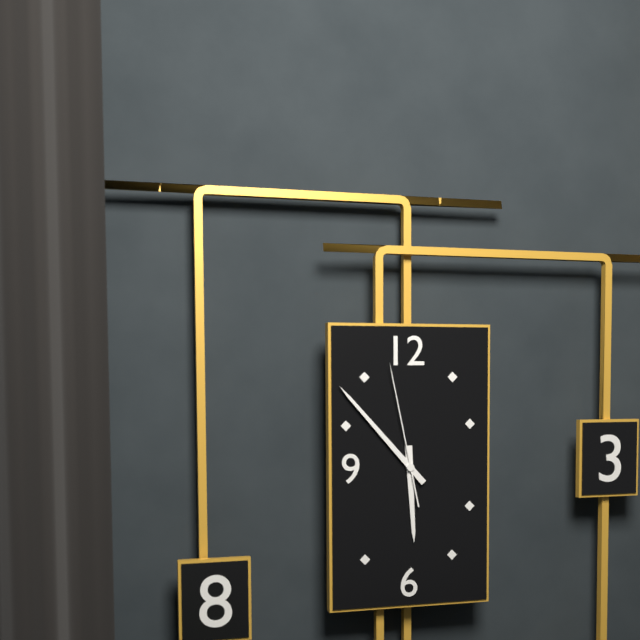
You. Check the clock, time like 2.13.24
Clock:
5.53.58
